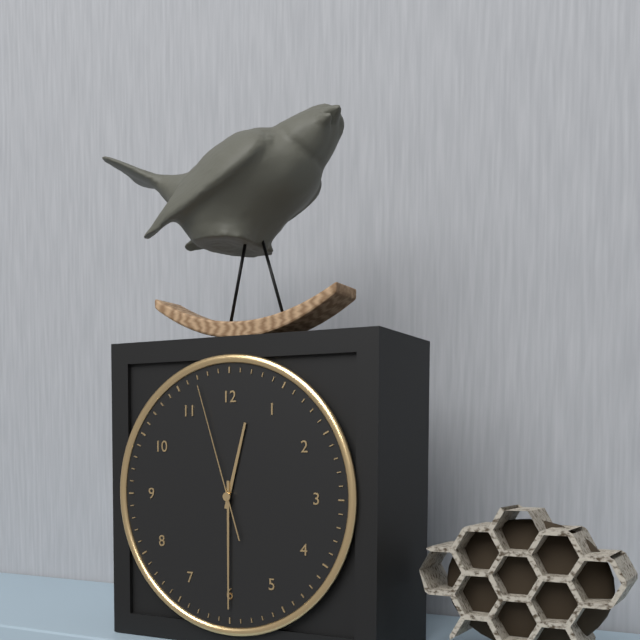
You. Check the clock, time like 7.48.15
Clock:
12.30.57
